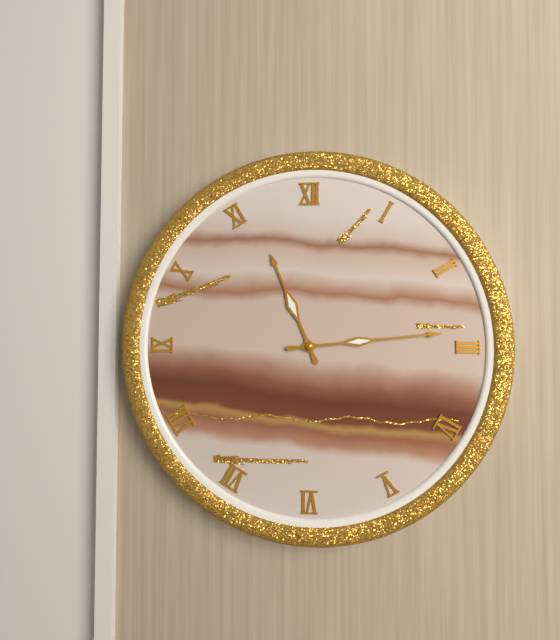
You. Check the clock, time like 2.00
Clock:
11.14
